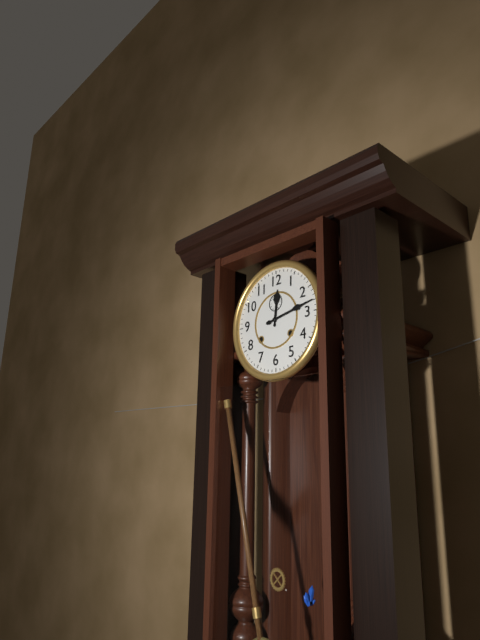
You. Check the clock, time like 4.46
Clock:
12.13
